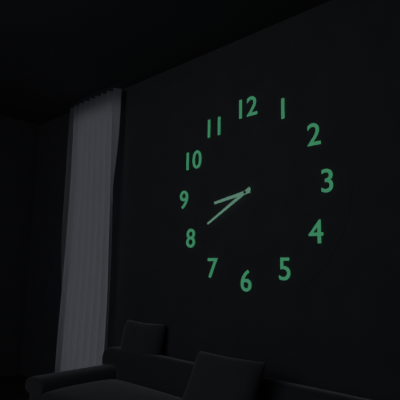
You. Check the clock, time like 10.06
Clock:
8.40
